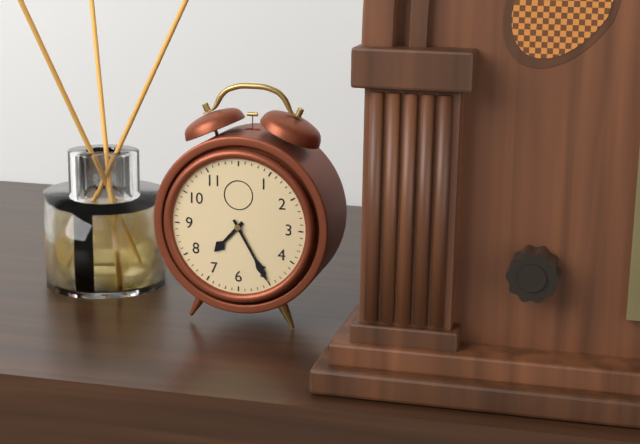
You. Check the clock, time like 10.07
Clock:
7.25
